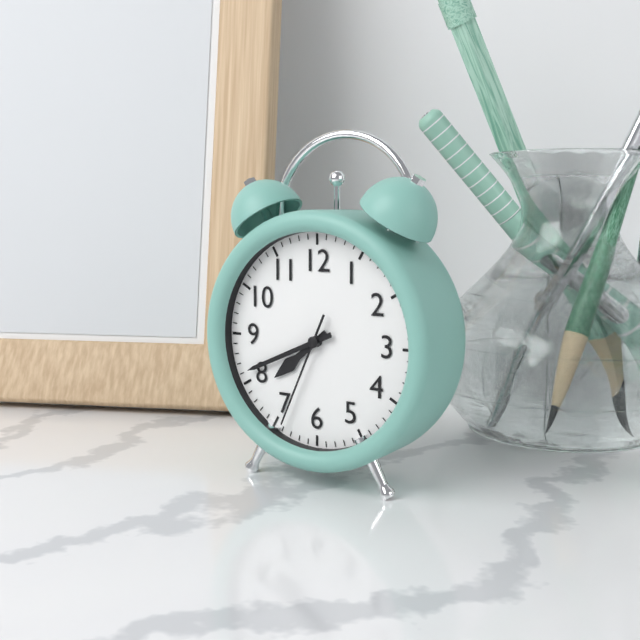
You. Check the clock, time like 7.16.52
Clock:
7.41.34
